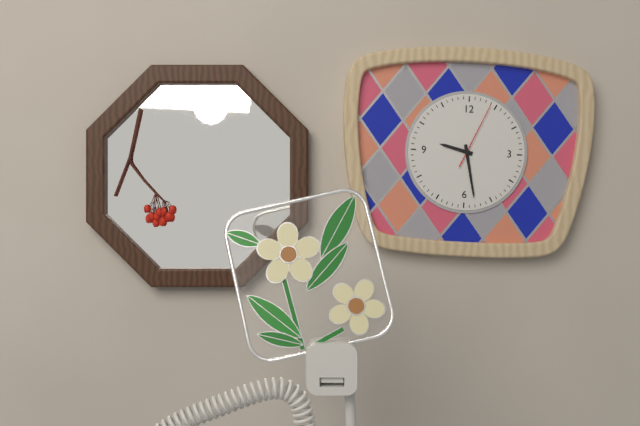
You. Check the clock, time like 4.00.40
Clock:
9.28.04
